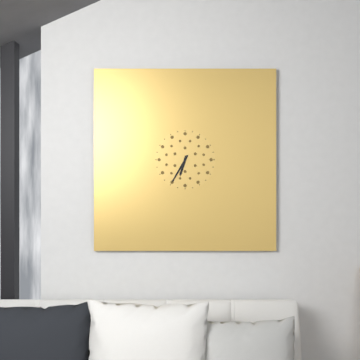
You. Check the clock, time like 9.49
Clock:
6.35
